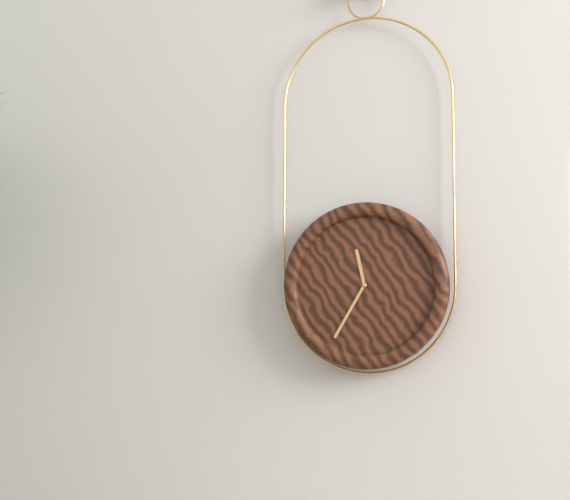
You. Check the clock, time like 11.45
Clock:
11.35
